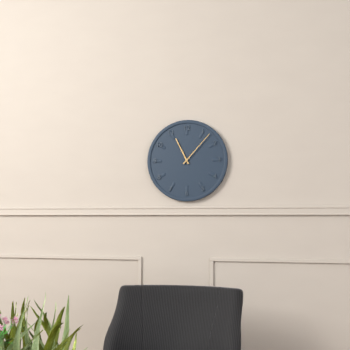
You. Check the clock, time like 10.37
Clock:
11.07
